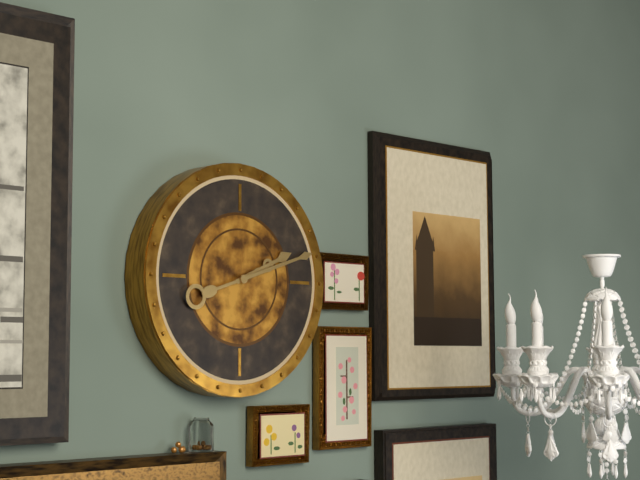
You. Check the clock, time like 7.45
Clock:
2.12
